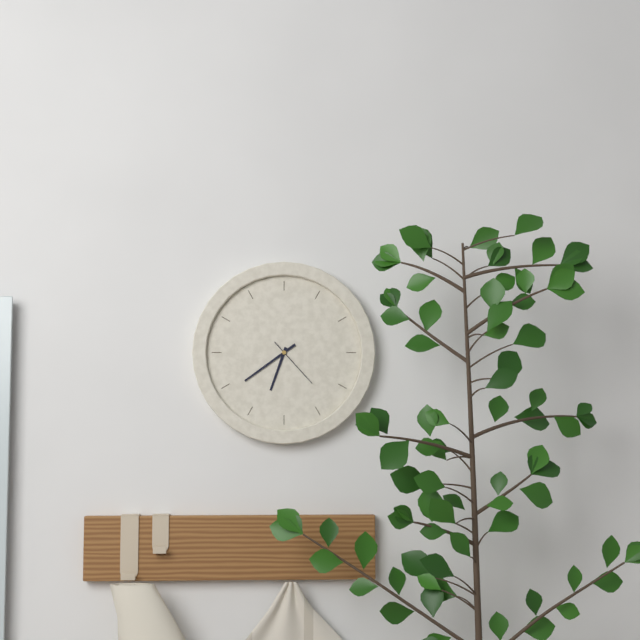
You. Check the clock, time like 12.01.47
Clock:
6.39.23
